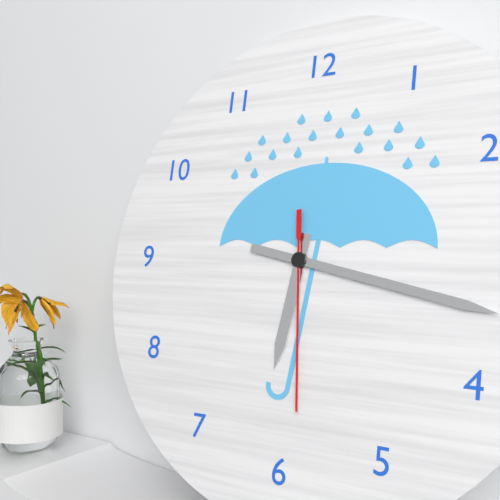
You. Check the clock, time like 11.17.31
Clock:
6.17.29
